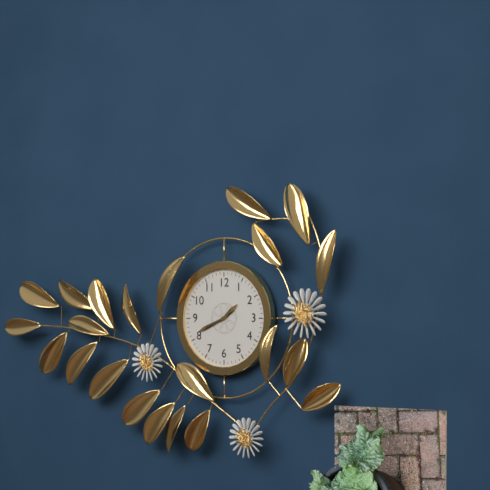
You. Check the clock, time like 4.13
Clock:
1.41
